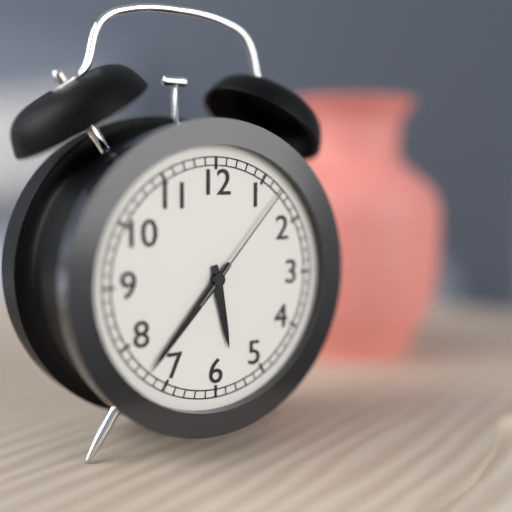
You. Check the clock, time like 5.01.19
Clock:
5.37.07
